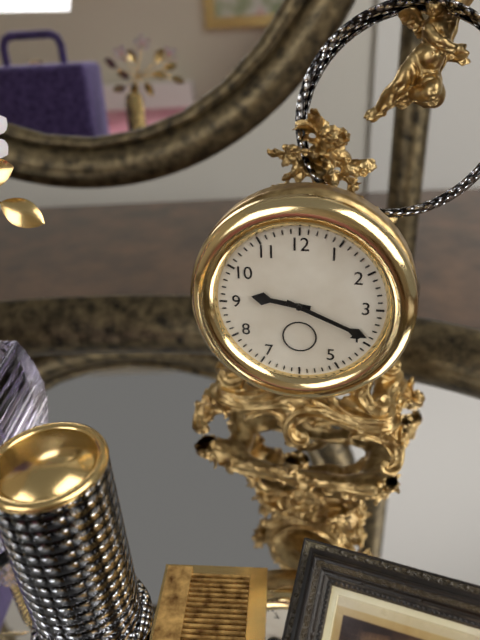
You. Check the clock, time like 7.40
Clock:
9.19
